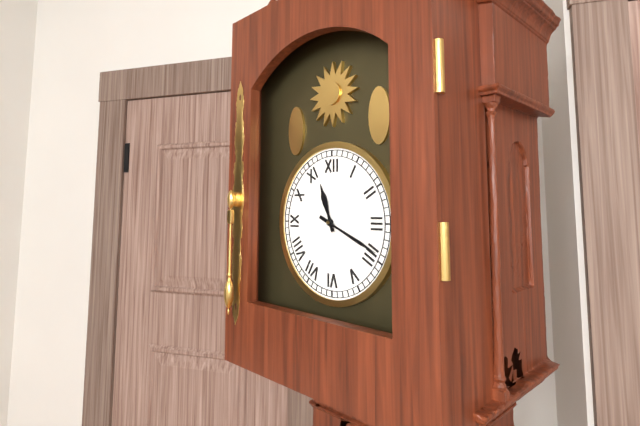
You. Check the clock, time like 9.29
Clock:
11.19
